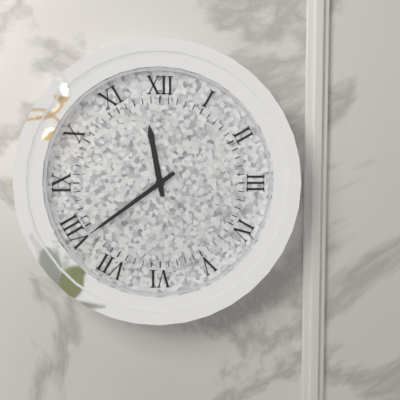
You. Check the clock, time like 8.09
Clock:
11.39
